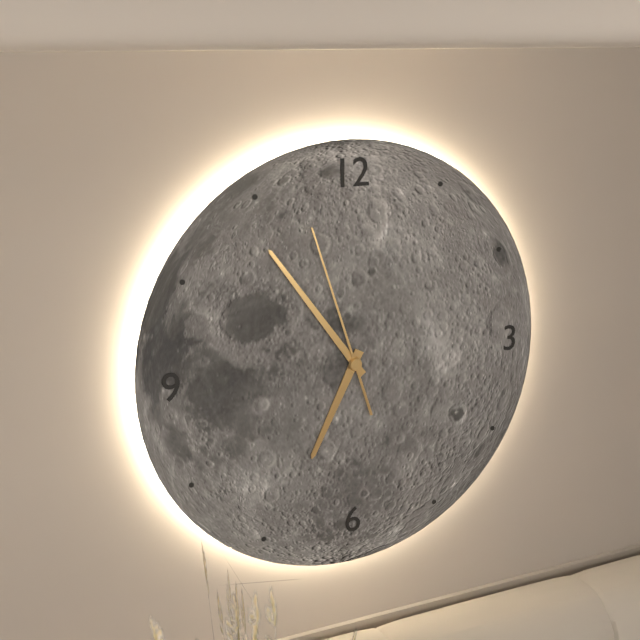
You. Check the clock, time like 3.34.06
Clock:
6.54.57
